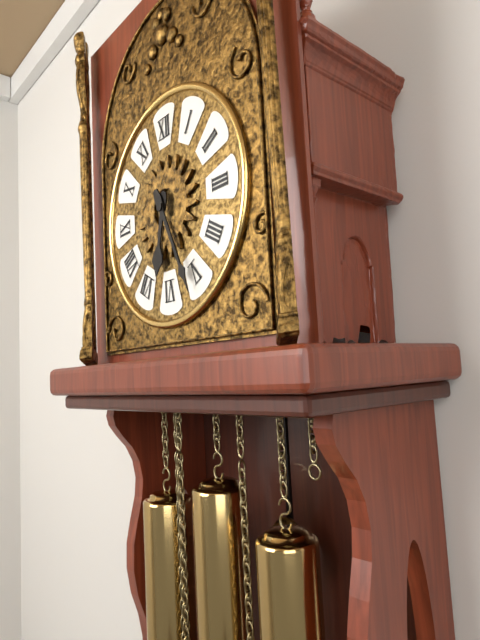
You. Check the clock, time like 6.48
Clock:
6.26
